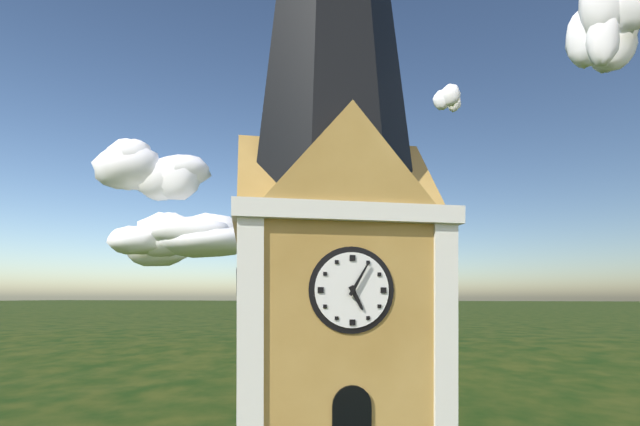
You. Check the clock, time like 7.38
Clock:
5.05
